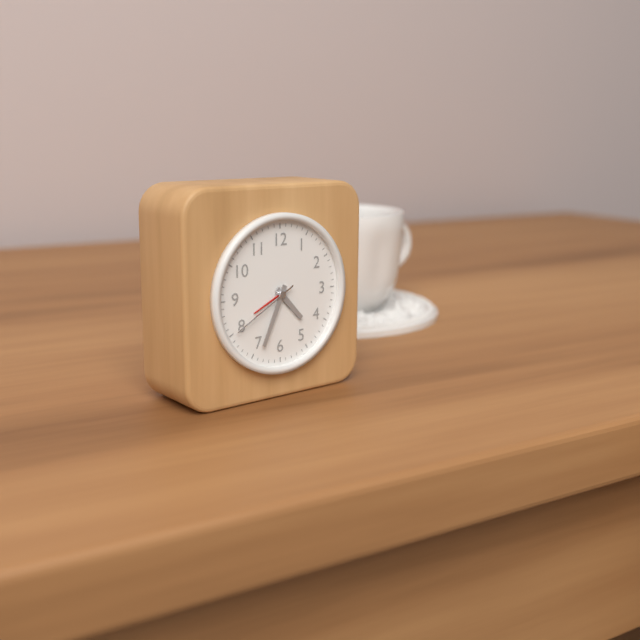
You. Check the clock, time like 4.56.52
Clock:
4.34.40
